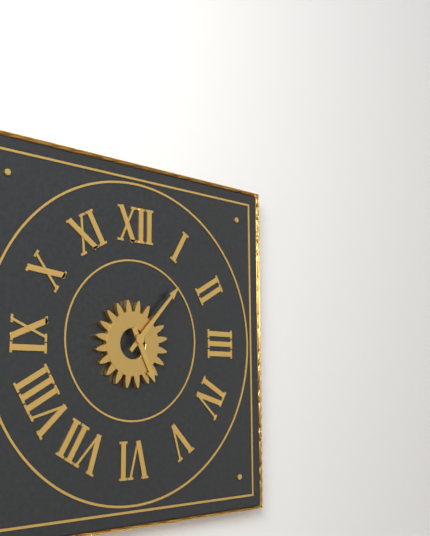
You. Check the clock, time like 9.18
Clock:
5.07
